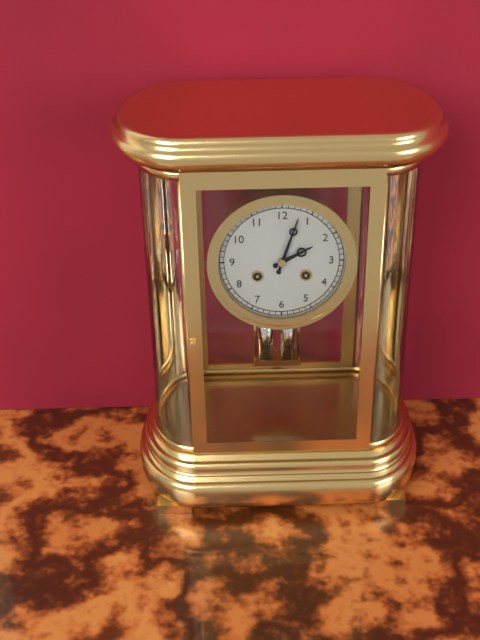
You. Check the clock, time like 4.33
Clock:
2.03
